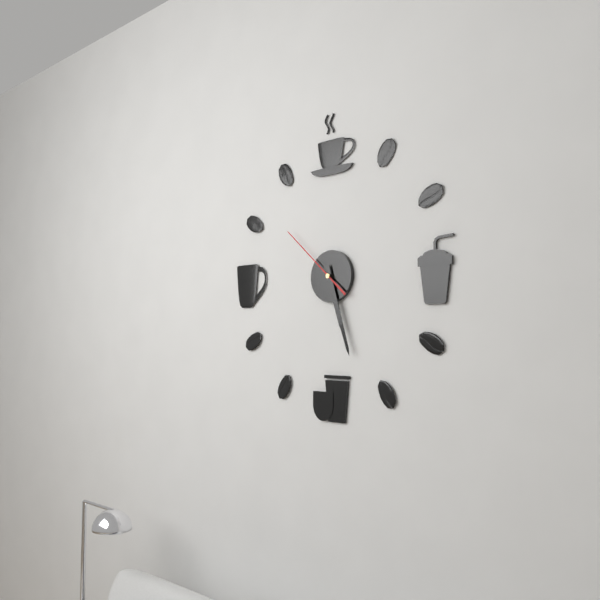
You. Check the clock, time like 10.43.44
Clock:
5.27.52
